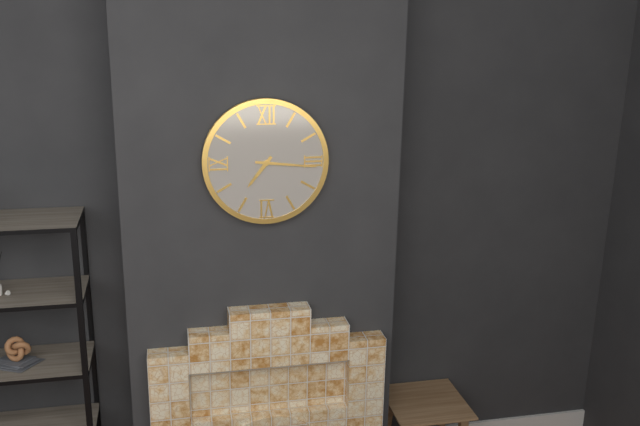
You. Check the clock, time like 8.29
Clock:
7.16
